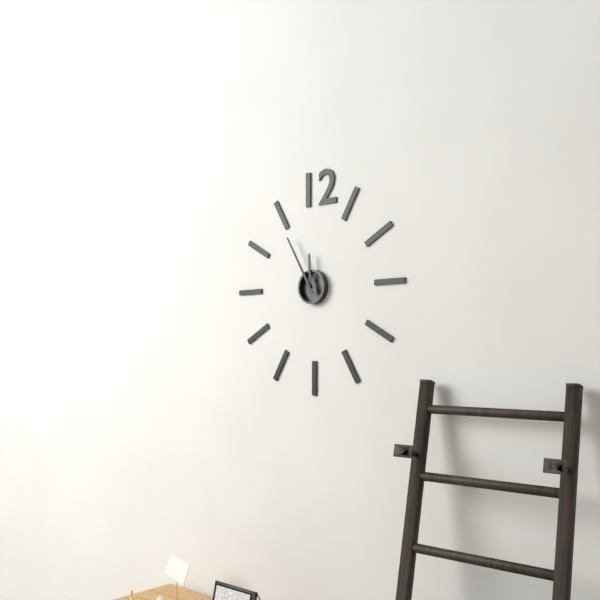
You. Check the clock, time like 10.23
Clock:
11.55
